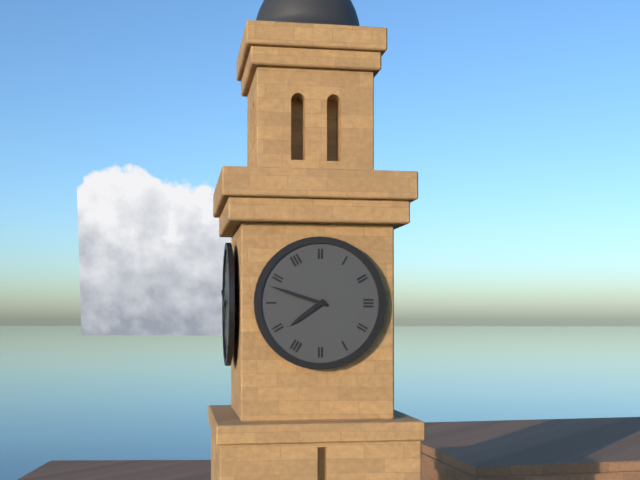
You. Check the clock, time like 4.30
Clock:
7.48
